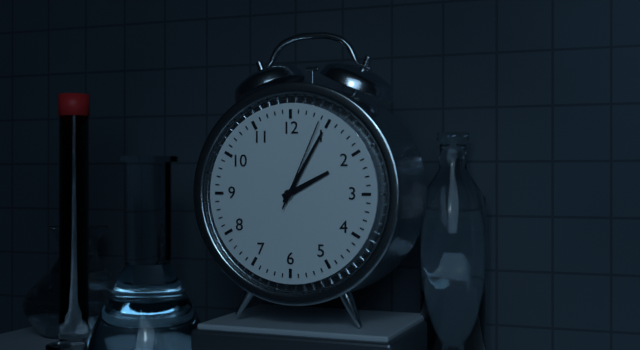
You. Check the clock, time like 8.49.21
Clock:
2.05.04
